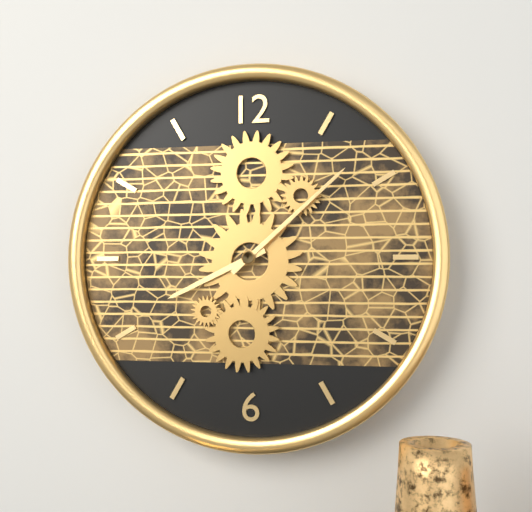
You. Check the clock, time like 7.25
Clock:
8.08
